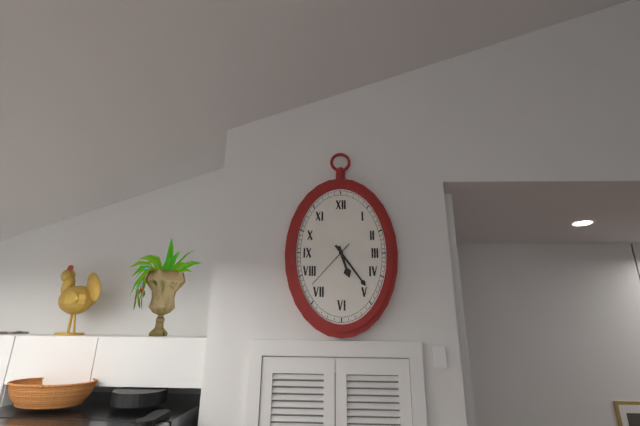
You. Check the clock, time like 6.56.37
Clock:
5.24.37
